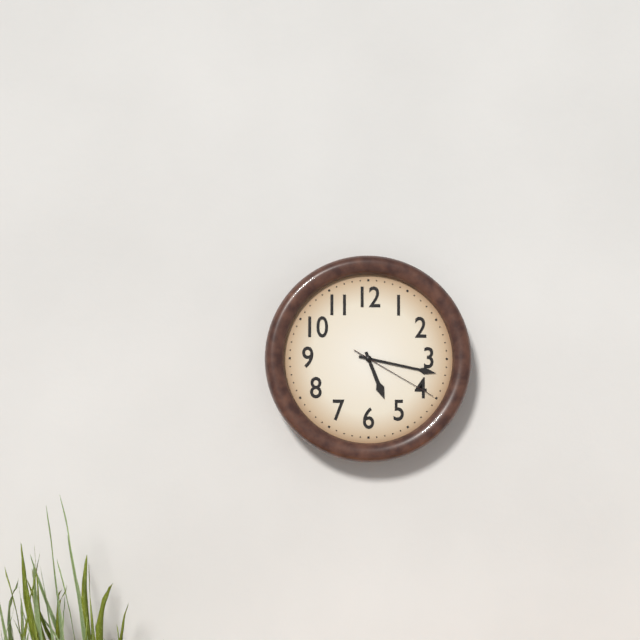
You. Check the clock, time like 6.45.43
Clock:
5.17.20
